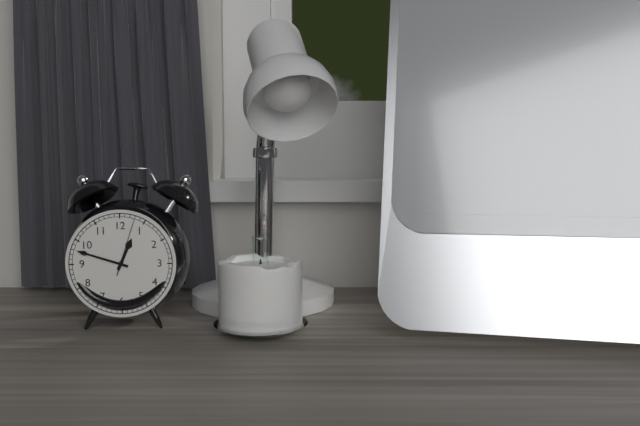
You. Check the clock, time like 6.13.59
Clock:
12.48.03
